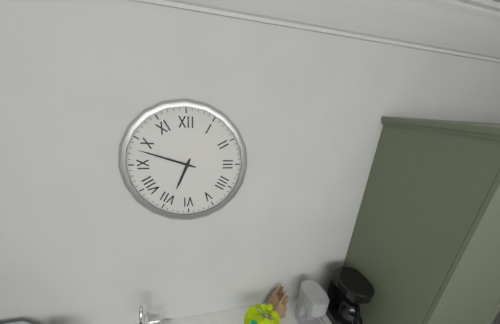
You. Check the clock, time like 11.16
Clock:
6.48
